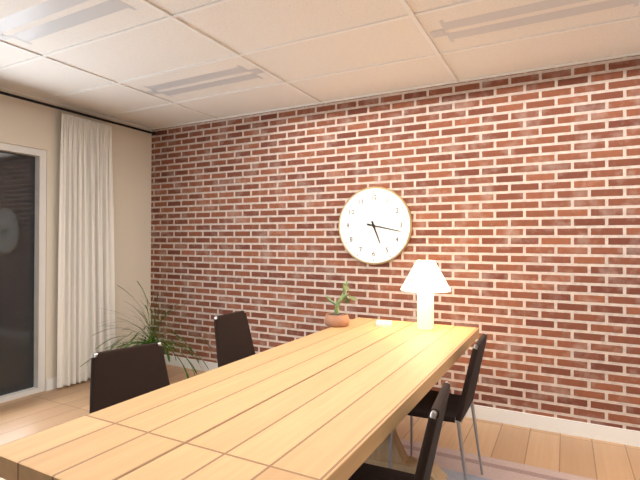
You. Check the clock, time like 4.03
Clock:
5.17
